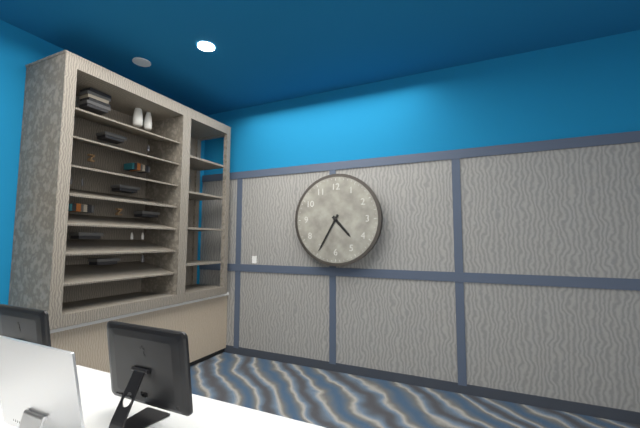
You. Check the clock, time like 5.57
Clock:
4.35
